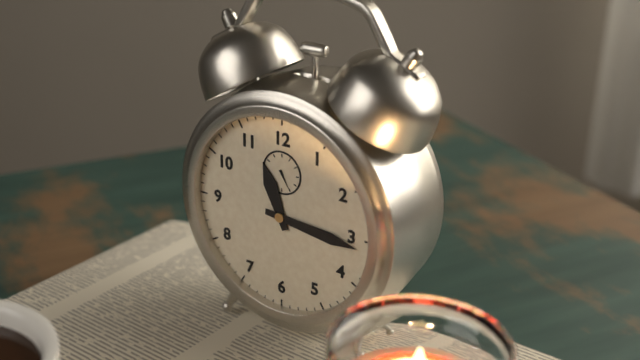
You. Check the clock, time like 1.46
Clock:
11.16
